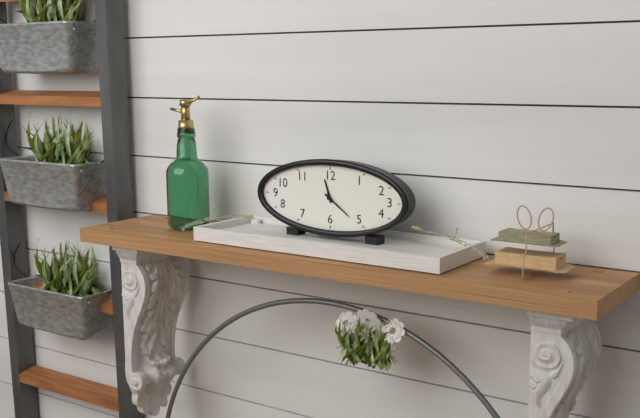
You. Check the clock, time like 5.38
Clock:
11.21
